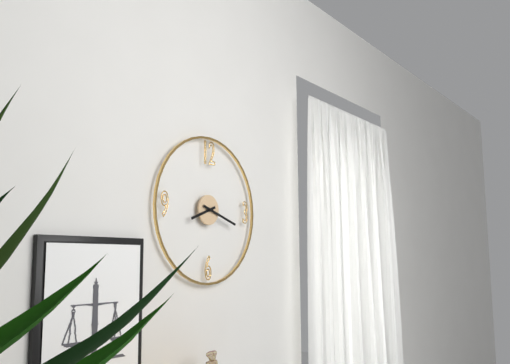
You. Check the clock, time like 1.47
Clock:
8.18
